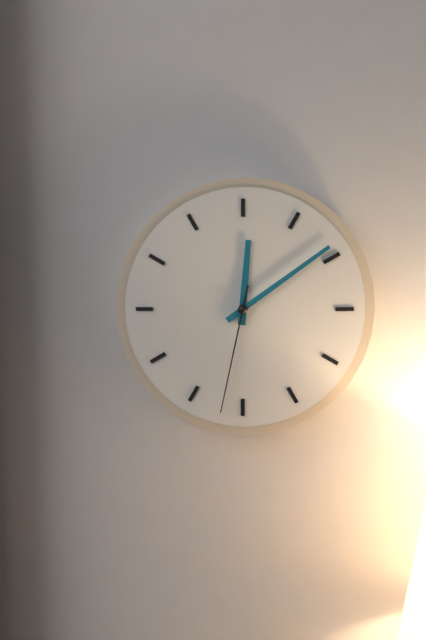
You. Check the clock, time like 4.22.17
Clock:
12.09.32
